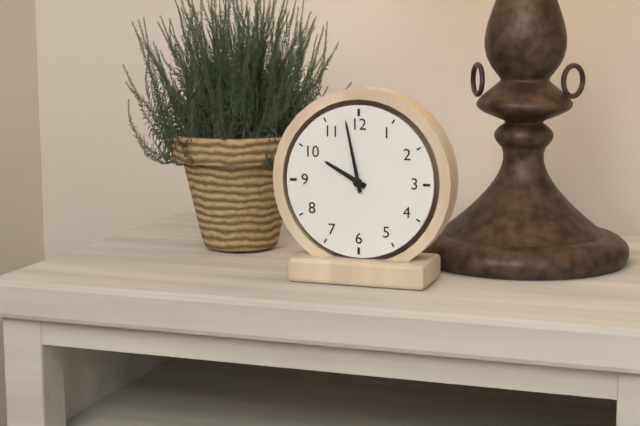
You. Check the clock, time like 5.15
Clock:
9.58
